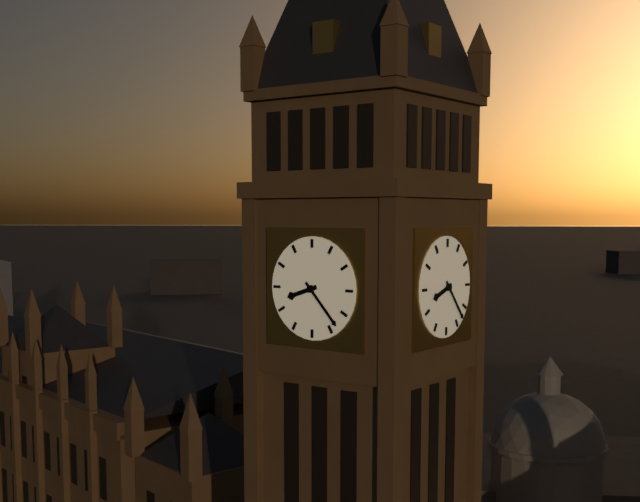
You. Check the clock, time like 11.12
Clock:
8.23
